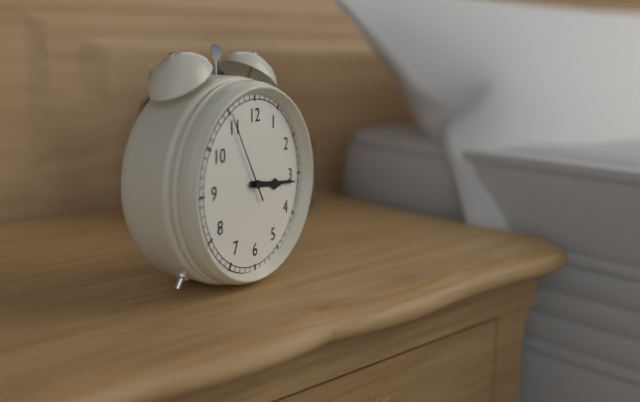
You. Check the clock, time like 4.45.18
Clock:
3.16.55
